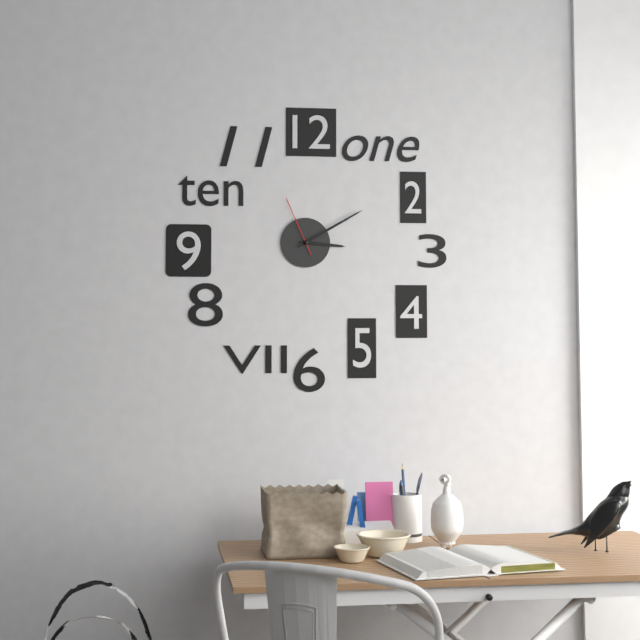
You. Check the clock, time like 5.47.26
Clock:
3.10.56
